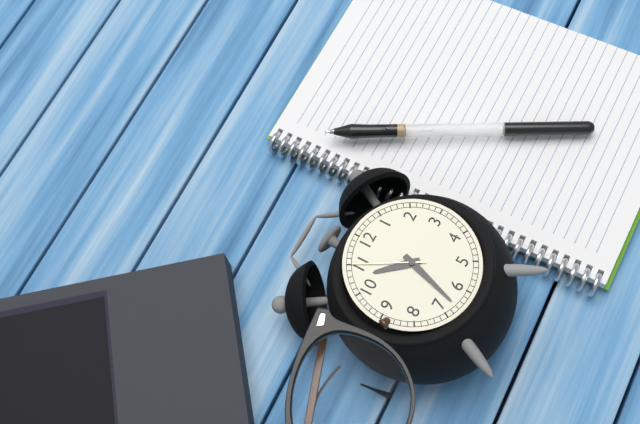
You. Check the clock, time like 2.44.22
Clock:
10.33.55
